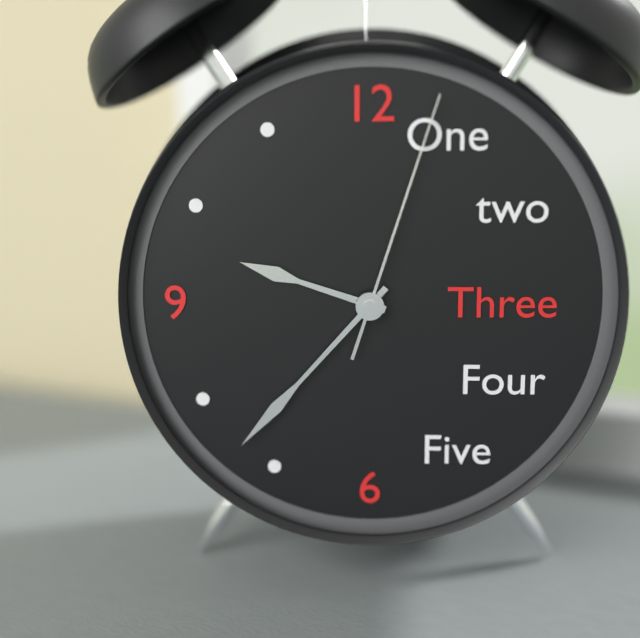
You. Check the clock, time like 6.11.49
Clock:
9.37.03
